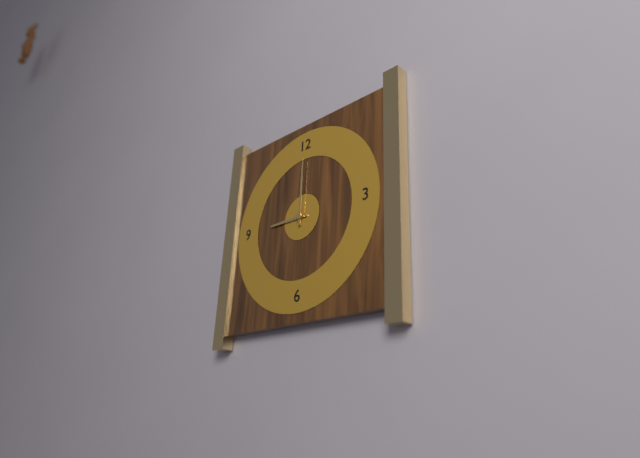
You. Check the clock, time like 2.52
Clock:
9.00
